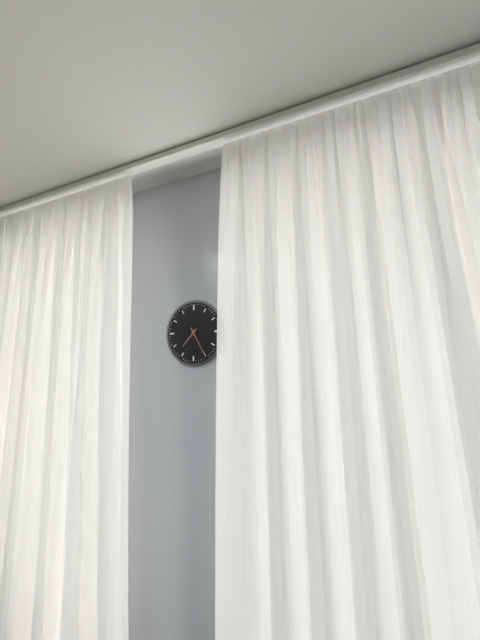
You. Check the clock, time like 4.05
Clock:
7.25
